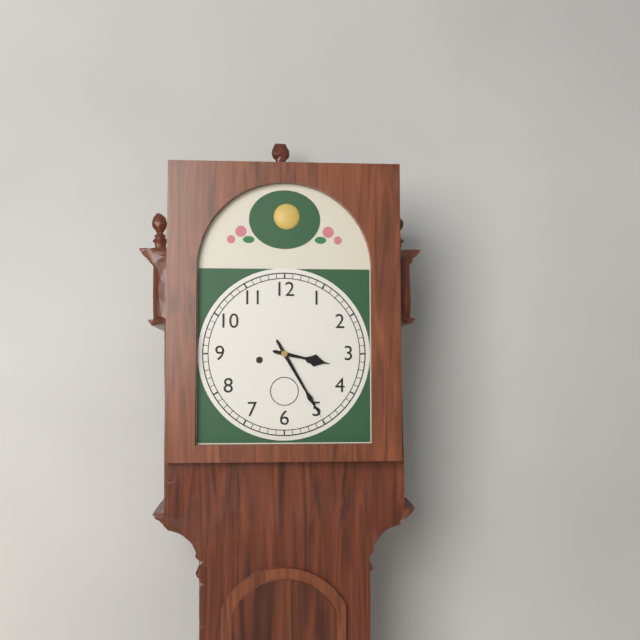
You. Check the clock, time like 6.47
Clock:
3.25
